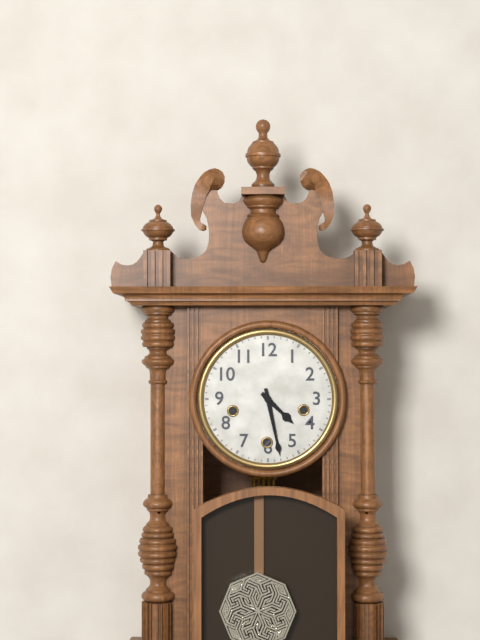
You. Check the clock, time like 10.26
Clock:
4.28
